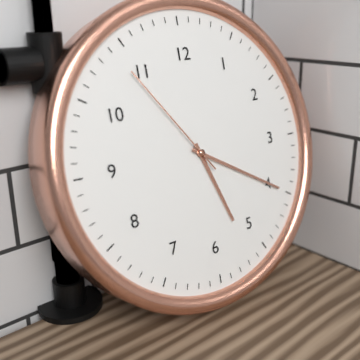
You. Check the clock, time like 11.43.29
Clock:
5.20.54
